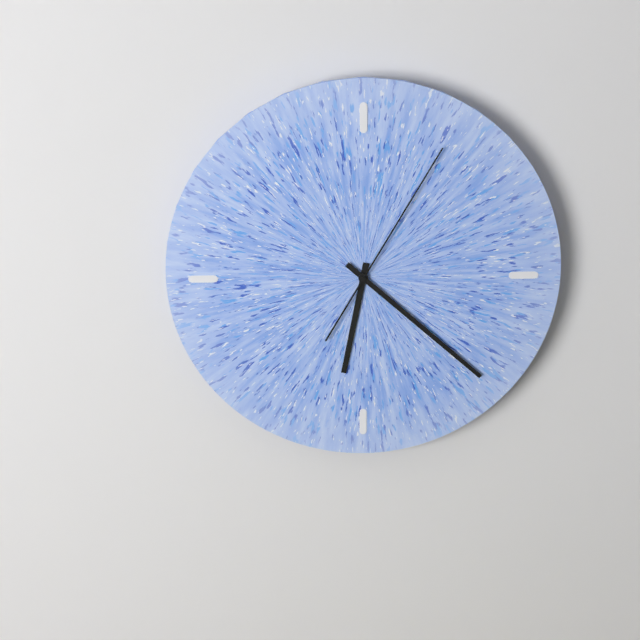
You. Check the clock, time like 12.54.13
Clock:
6.22.05
